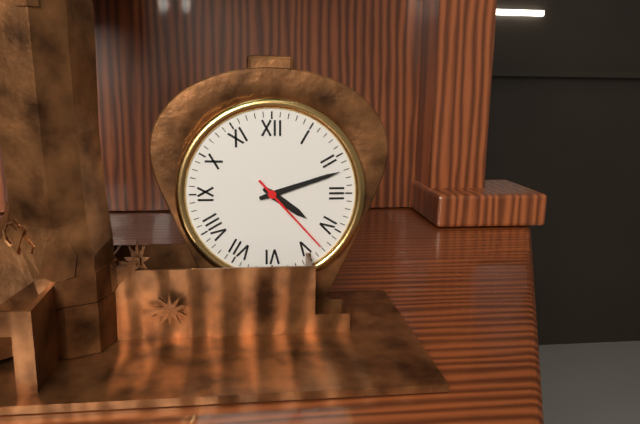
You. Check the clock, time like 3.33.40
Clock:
4.12.23
